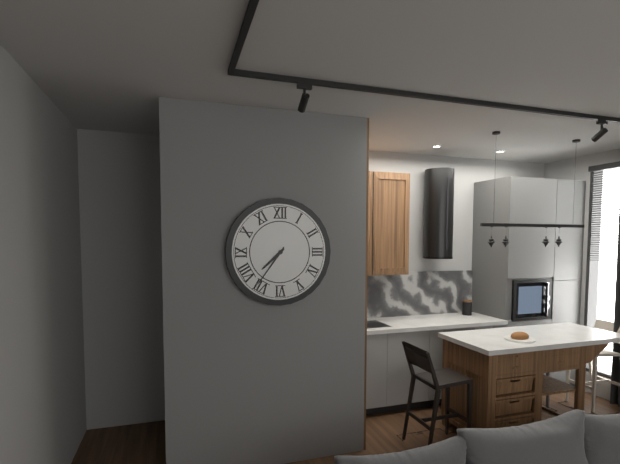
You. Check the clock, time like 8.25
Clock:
7.36
